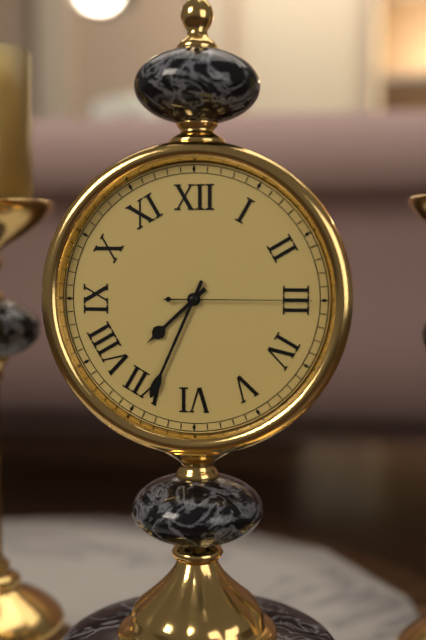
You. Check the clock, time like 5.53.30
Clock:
7.34.15
